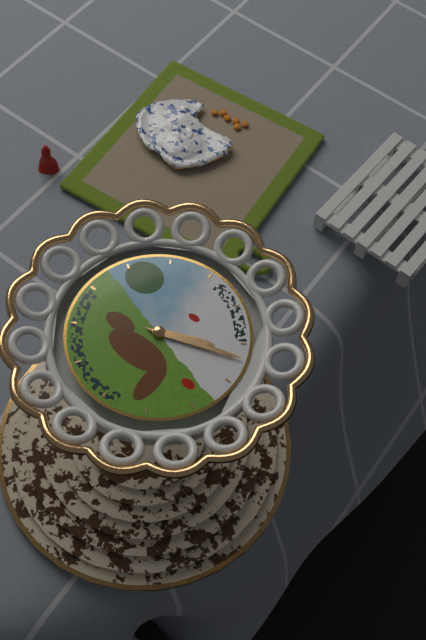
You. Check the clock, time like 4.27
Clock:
2.12
